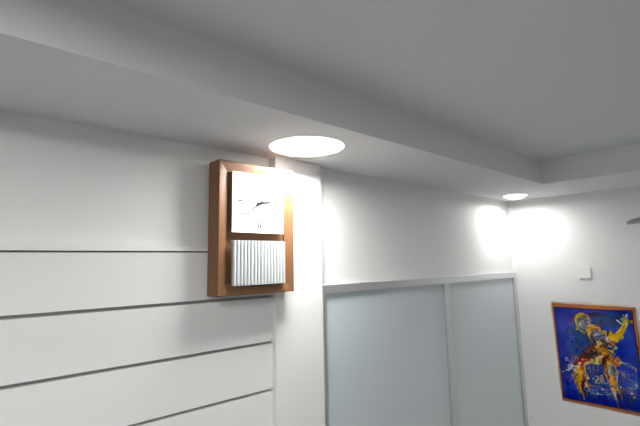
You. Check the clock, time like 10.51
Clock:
2.39
